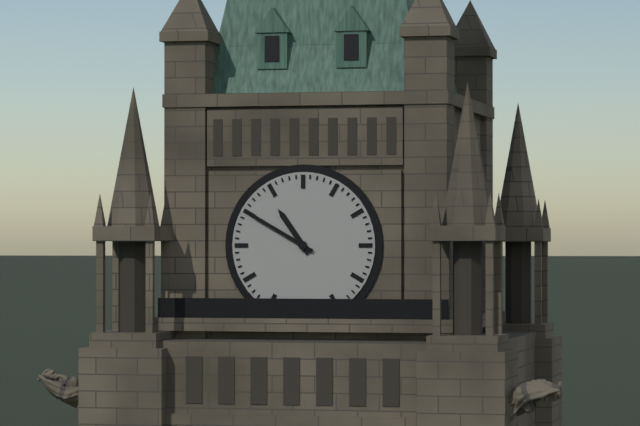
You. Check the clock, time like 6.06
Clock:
10.50
